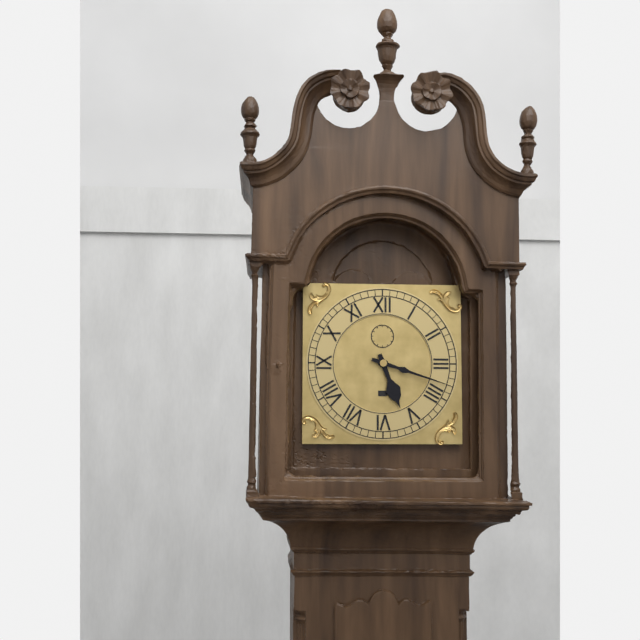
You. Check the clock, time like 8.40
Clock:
5.18
